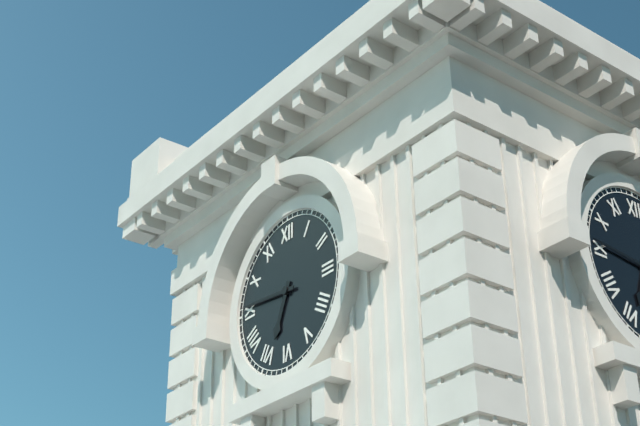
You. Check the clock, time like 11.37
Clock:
6.46
